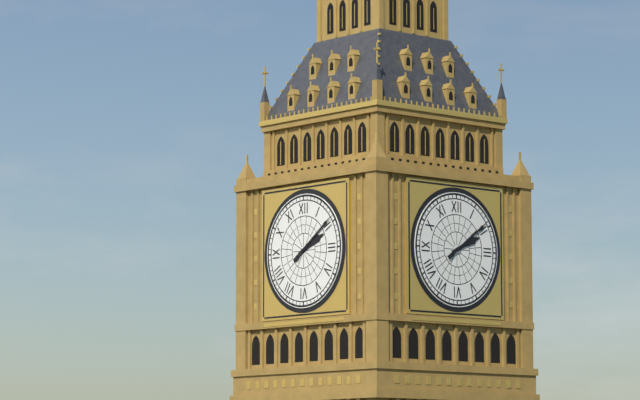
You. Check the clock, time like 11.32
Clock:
2.09
